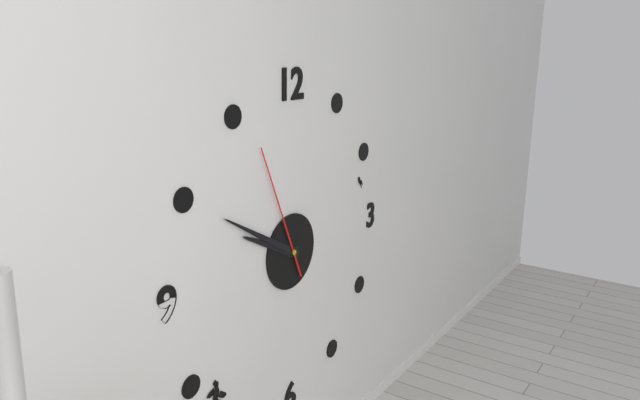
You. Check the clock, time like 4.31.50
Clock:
9.50.56
